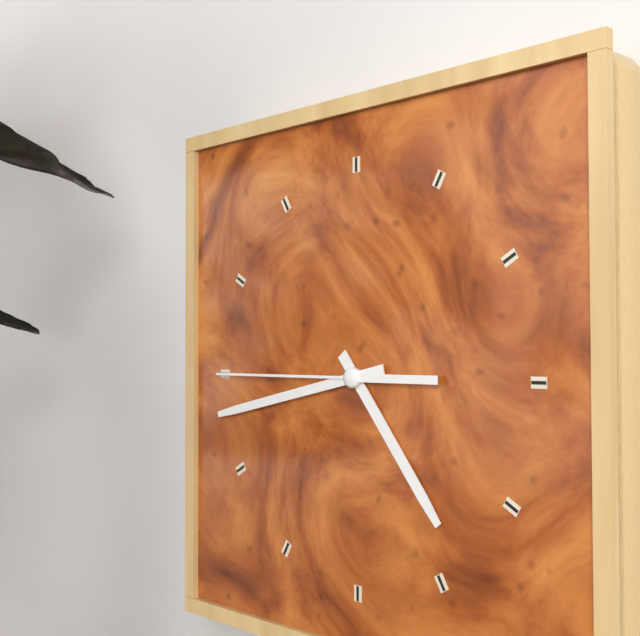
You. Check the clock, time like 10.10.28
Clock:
4.43.45
